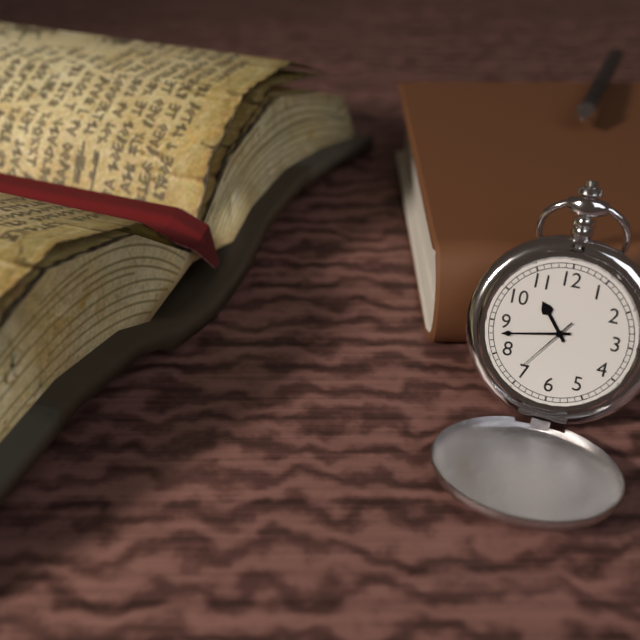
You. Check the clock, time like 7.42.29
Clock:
10.43.36
